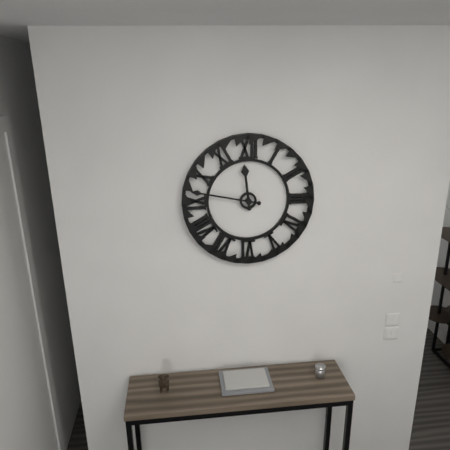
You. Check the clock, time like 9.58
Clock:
11.47
